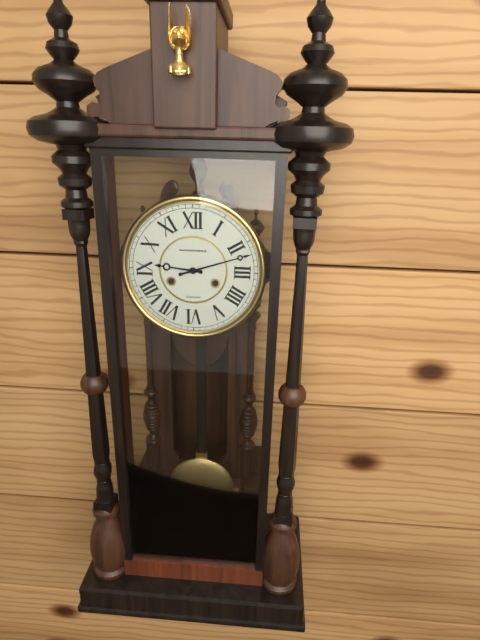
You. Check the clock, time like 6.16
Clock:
9.12
